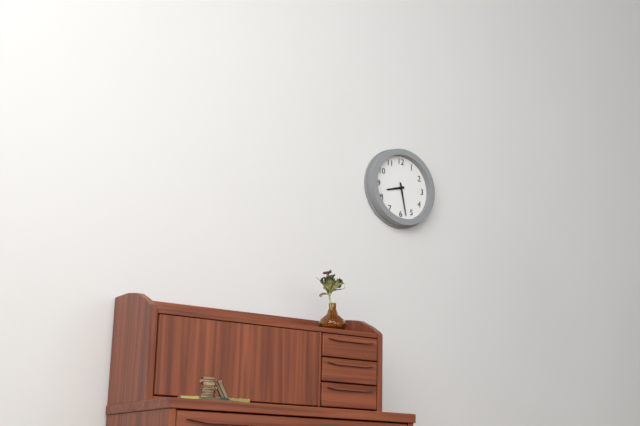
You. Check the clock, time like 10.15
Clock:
8.28
